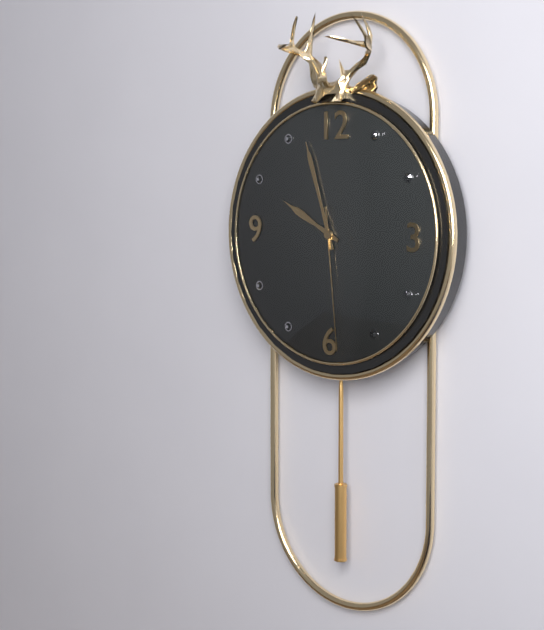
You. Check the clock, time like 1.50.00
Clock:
9.57.29
